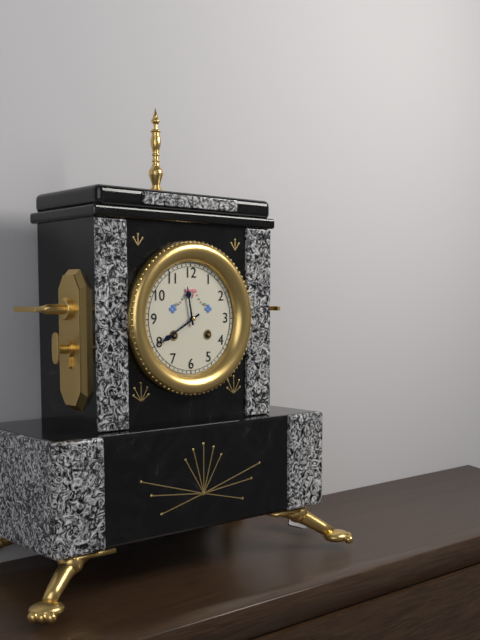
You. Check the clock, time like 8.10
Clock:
11.40
